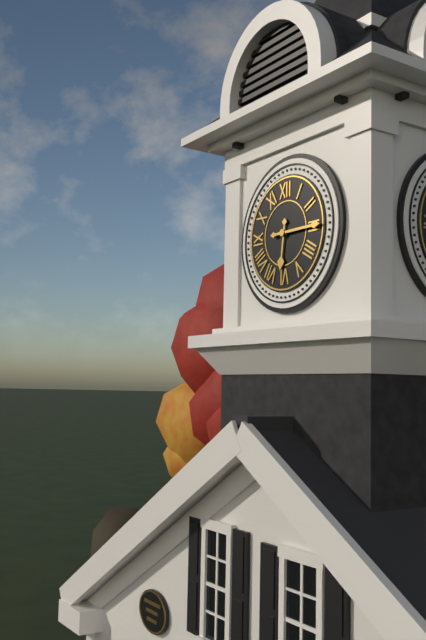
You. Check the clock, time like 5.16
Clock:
6.15
